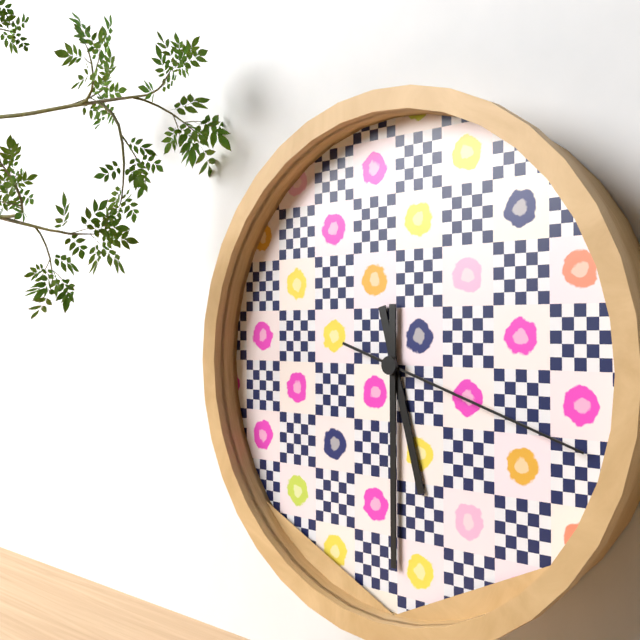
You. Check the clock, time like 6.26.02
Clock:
5.30.18
